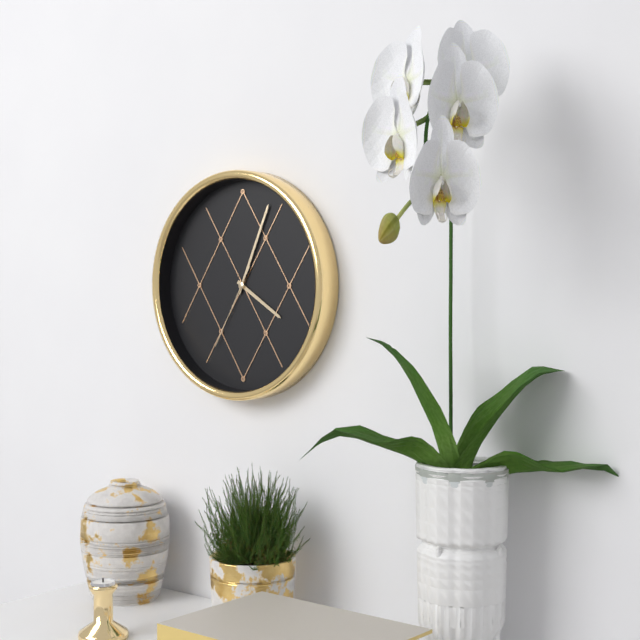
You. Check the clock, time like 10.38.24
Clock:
4.04.35
